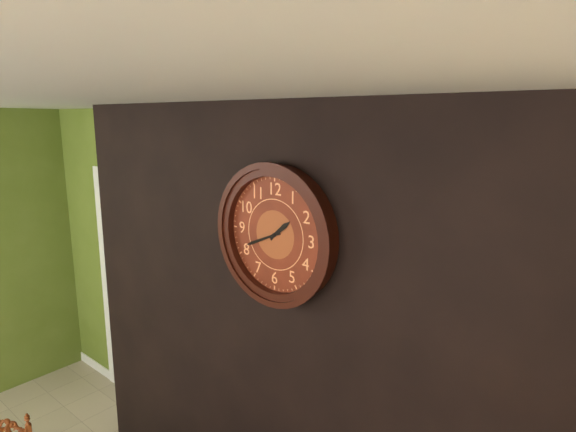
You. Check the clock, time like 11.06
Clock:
1.41
